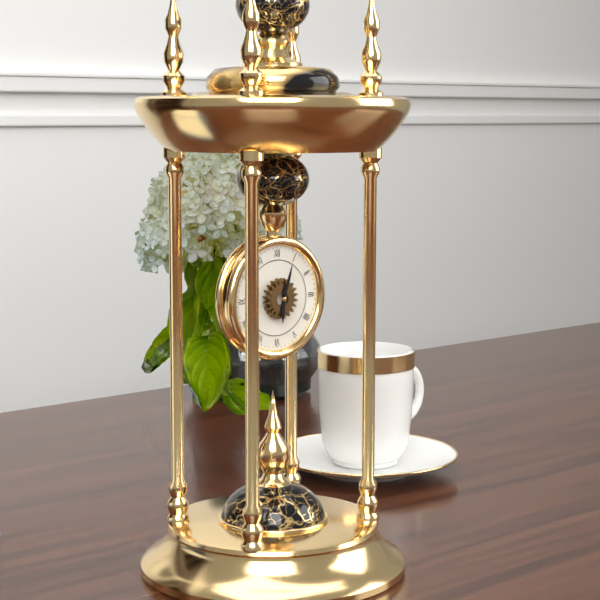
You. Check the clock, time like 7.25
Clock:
6.03
